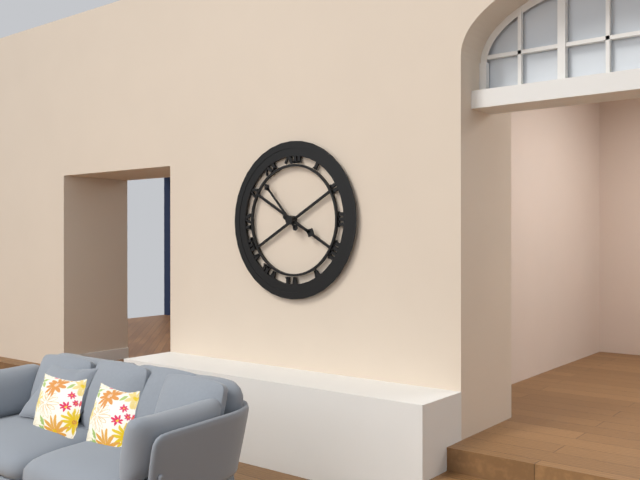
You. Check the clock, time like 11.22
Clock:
3.53
